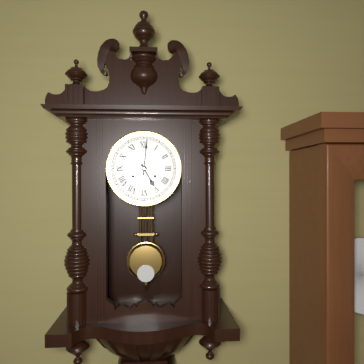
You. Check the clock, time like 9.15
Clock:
5.01
